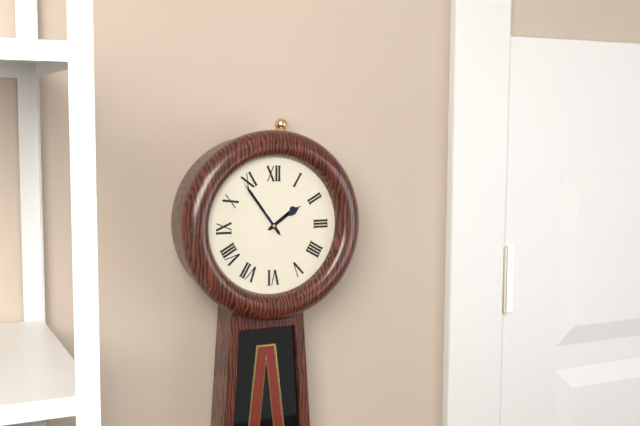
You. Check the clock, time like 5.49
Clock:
1.54
